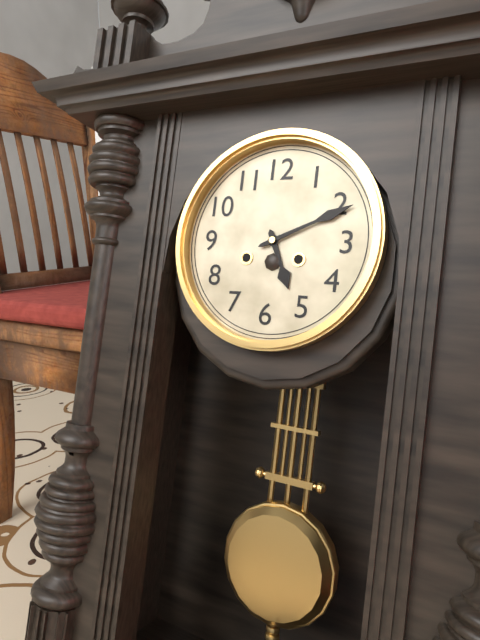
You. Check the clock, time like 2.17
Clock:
5.11
